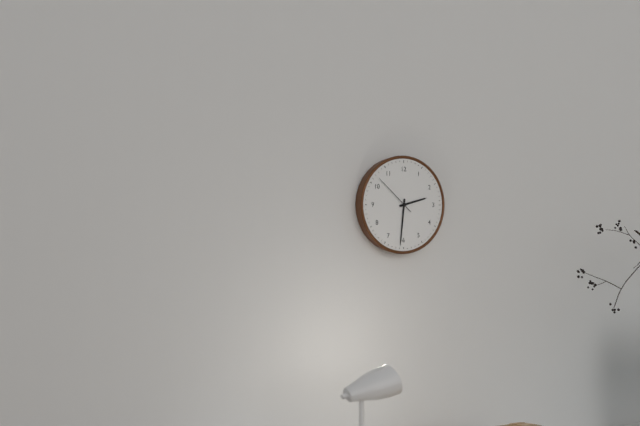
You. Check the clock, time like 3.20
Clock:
2.31
